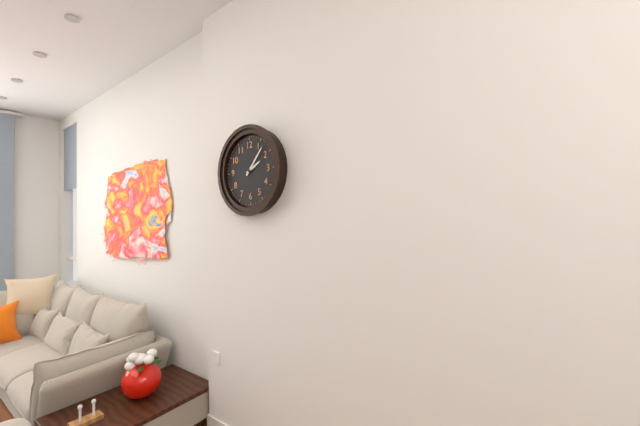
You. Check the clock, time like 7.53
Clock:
2.07
